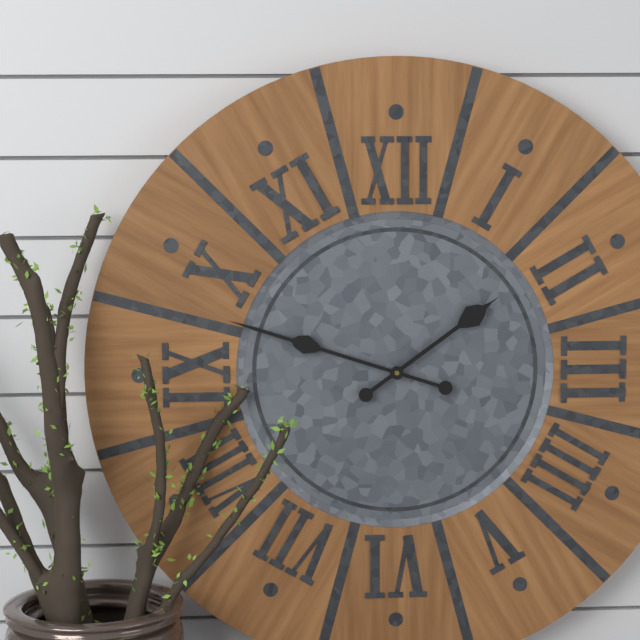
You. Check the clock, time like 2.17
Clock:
1.48
